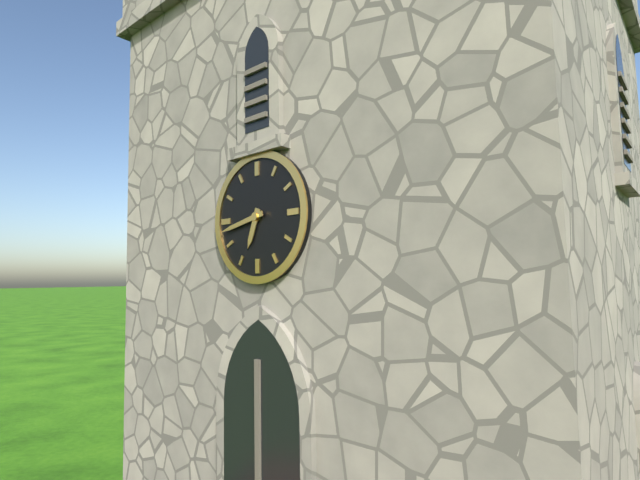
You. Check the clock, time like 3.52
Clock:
6.43
